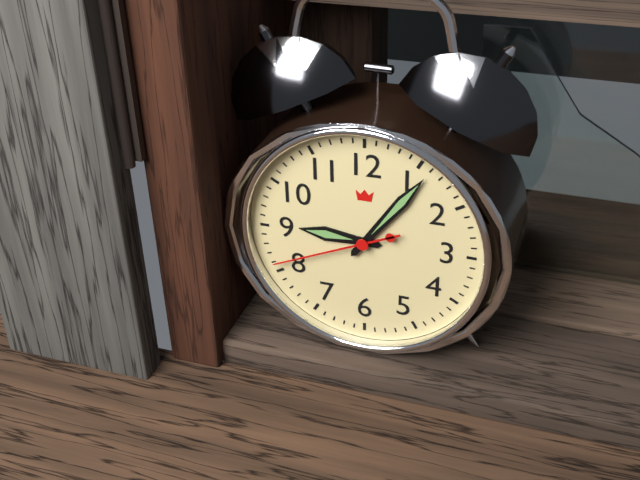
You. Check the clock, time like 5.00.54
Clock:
9.06.41
